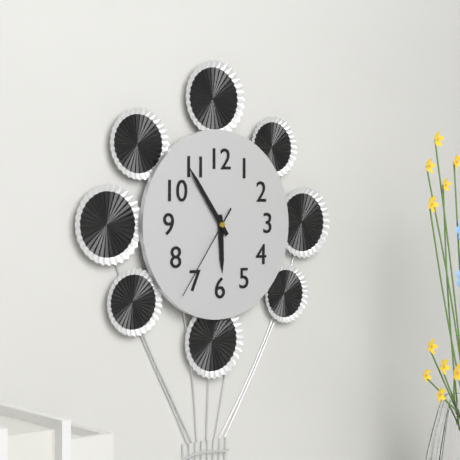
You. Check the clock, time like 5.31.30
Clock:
5.54.36
